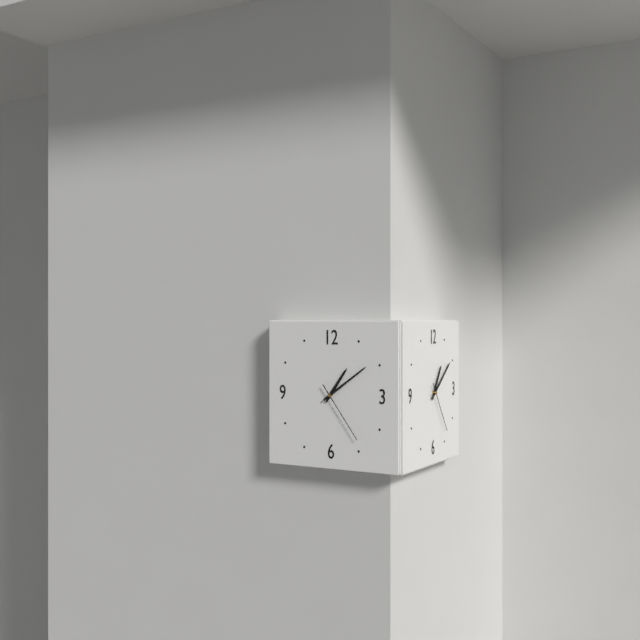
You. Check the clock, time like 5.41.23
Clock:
1.09.24
